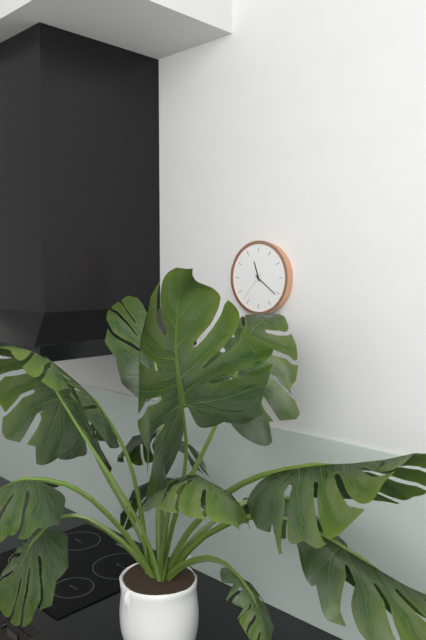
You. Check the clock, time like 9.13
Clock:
11.21
